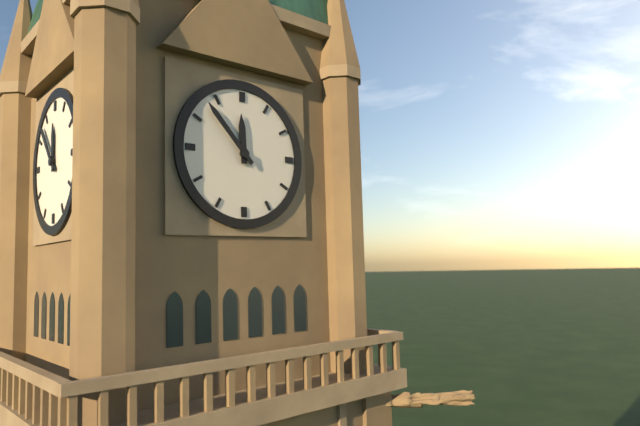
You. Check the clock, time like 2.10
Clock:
11.53
